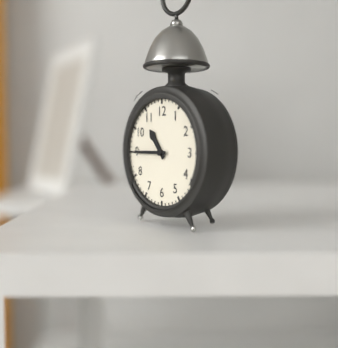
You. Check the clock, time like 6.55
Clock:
10.45
